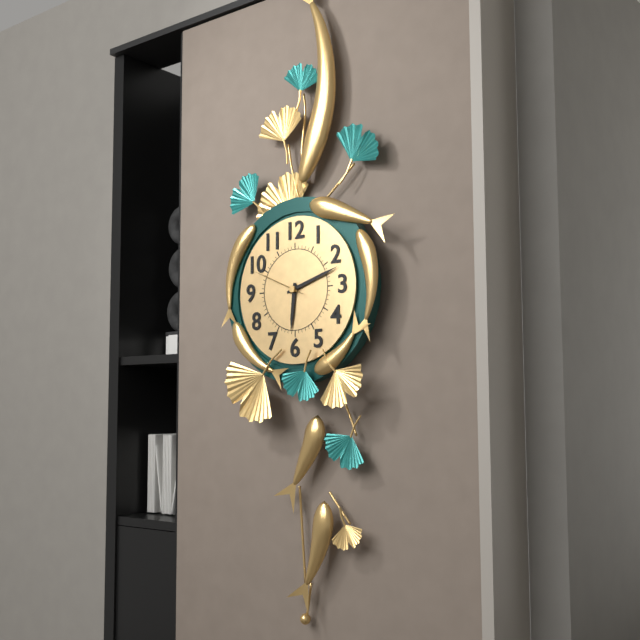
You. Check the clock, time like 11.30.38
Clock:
6.12.49
